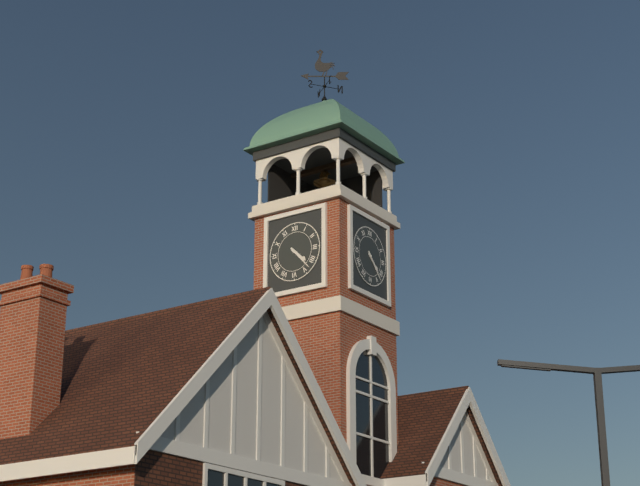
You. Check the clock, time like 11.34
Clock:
4.23
